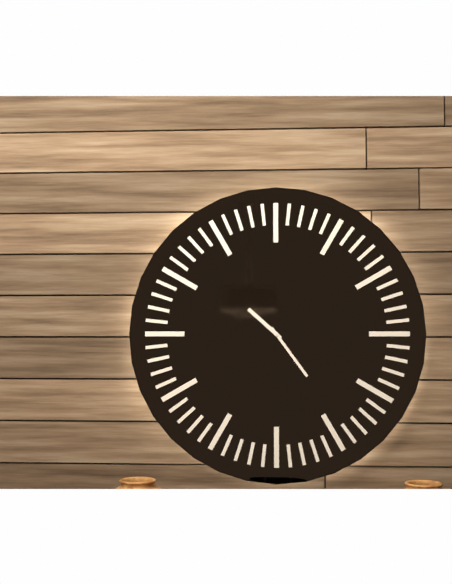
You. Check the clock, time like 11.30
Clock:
10.24
